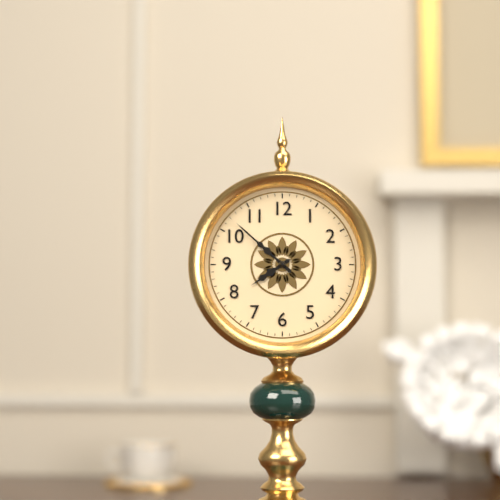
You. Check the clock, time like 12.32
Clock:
7.52
